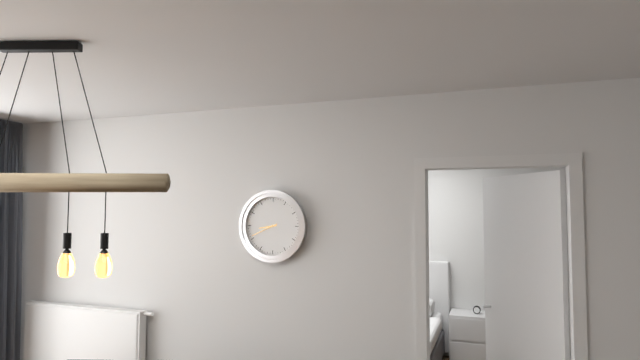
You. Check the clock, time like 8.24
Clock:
8.41
